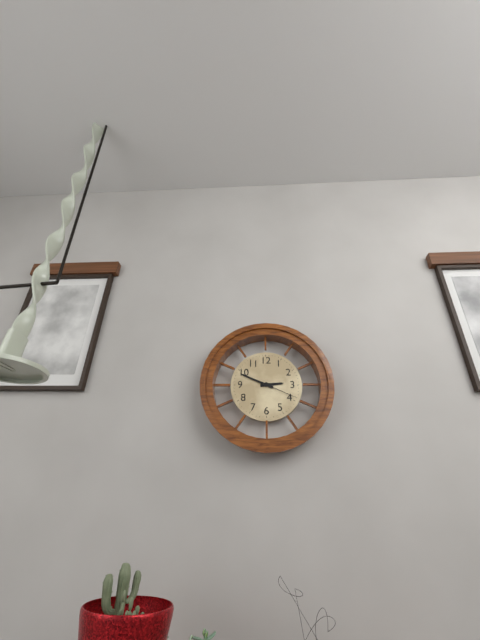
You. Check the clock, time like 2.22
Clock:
2.49
